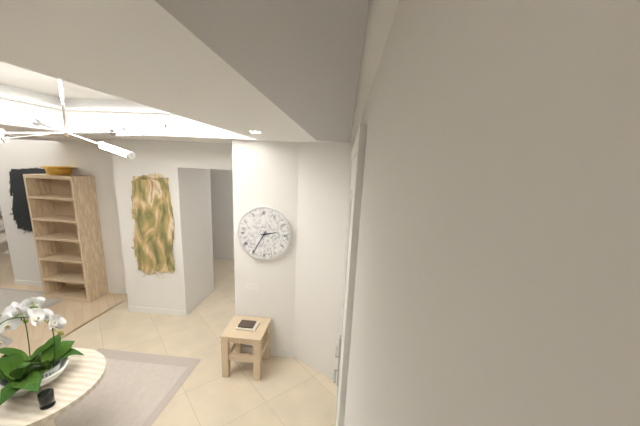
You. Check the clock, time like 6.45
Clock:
2.35
